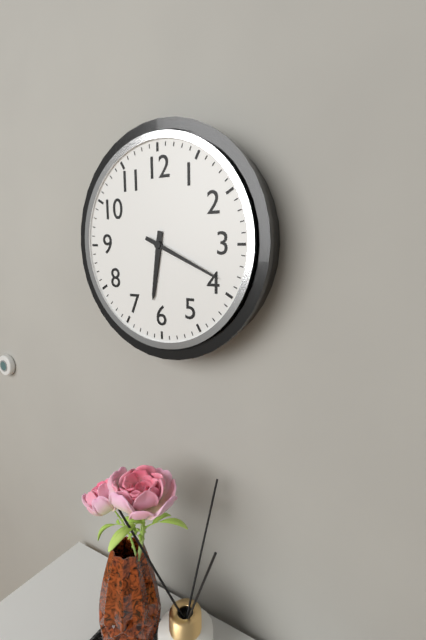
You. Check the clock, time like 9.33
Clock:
6.19
